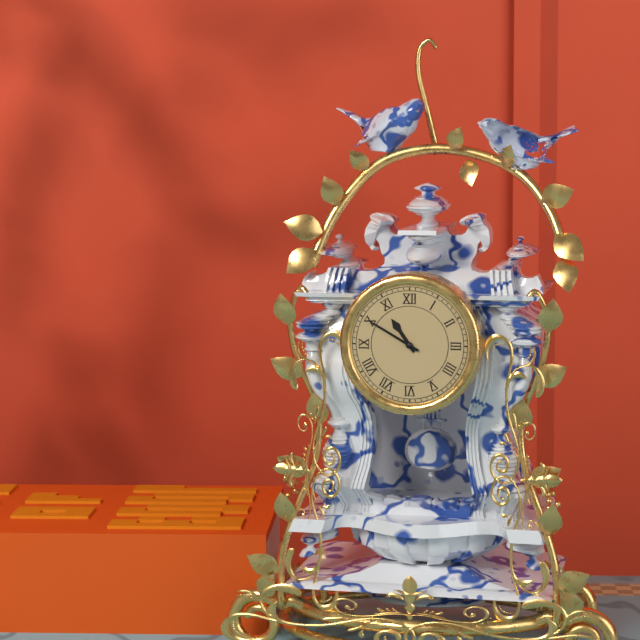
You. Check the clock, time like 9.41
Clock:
10.50
